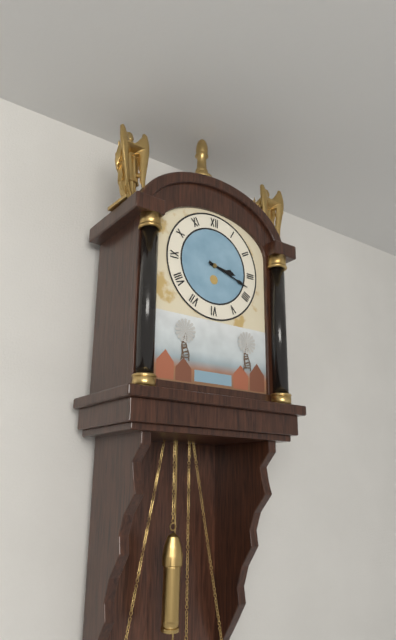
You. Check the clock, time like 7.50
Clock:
3.18
